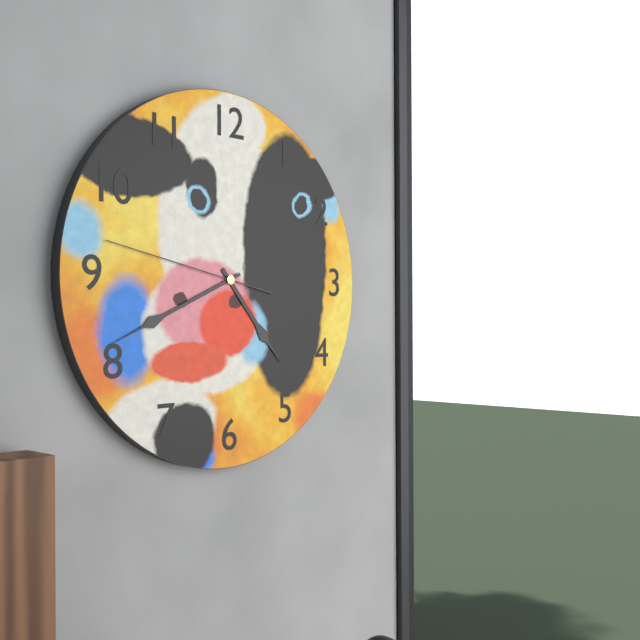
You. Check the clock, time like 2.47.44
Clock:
4.41.47
